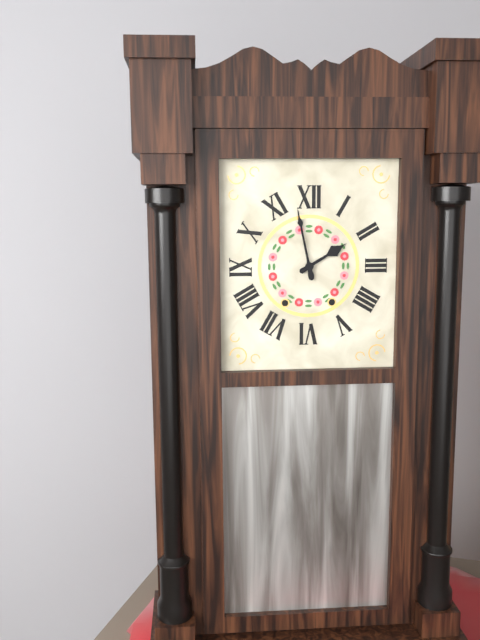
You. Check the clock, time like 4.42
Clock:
1.58
